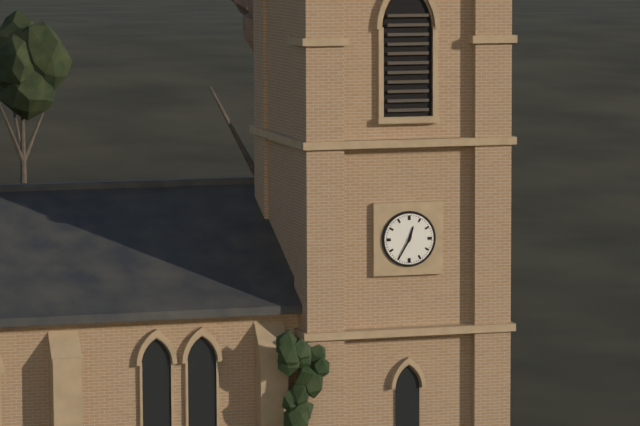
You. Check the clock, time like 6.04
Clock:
12.35
